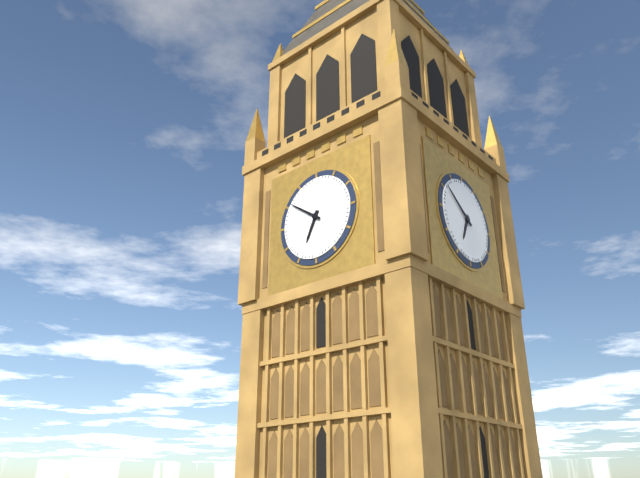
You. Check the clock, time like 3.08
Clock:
6.51
